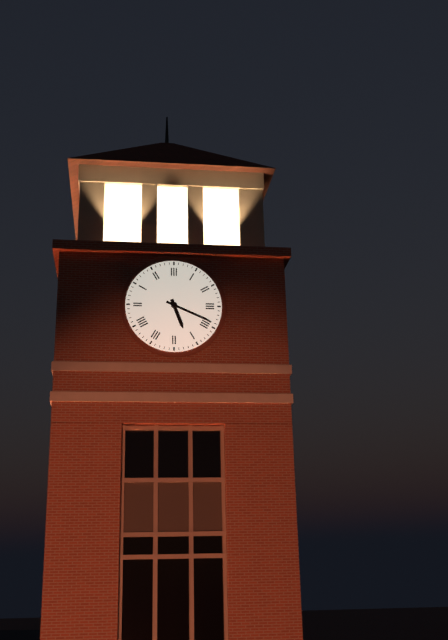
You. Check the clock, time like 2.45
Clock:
5.19
